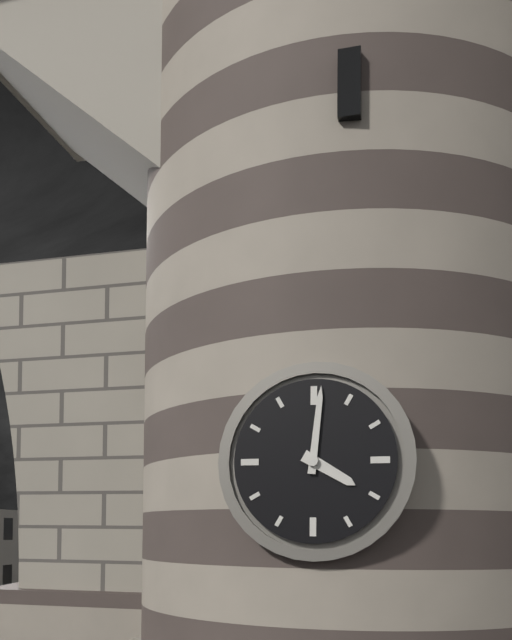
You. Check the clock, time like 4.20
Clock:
4.01
